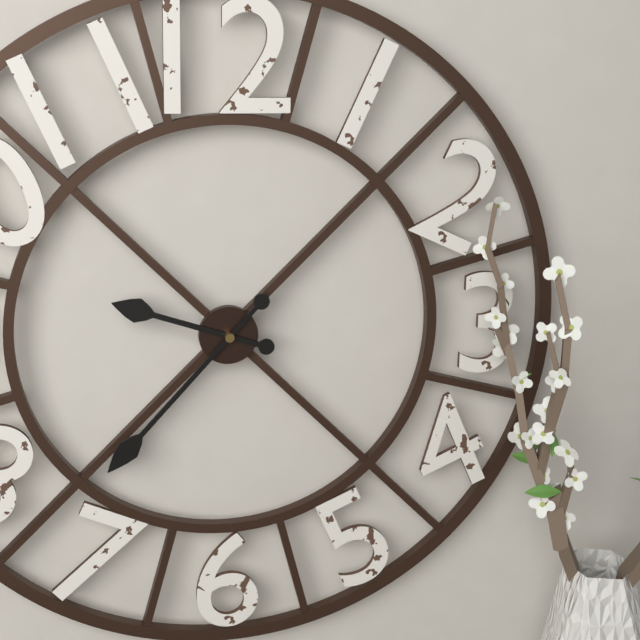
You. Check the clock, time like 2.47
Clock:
9.37
